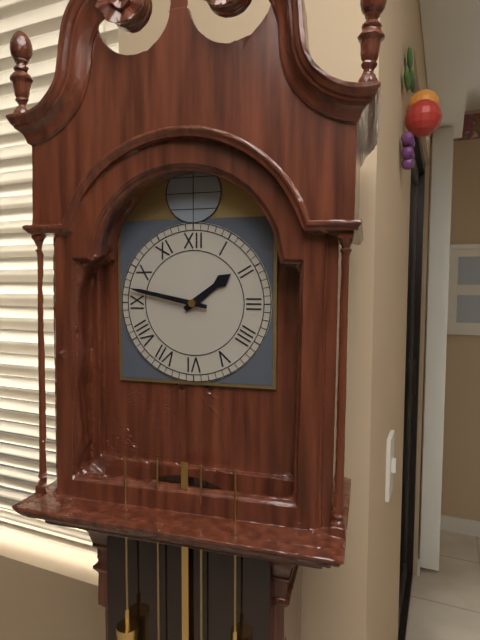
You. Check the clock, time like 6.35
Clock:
1.47
